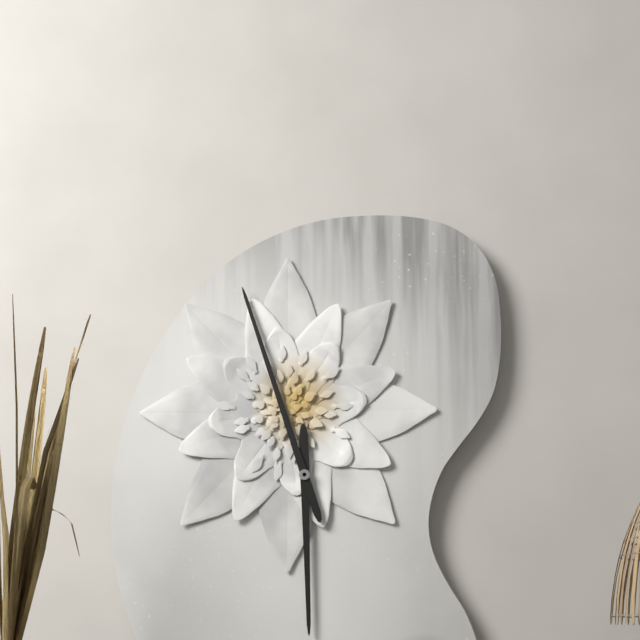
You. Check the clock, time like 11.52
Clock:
5.57
